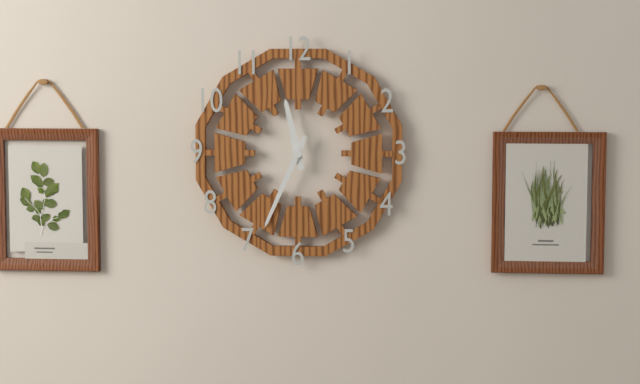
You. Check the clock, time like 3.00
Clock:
11.34
